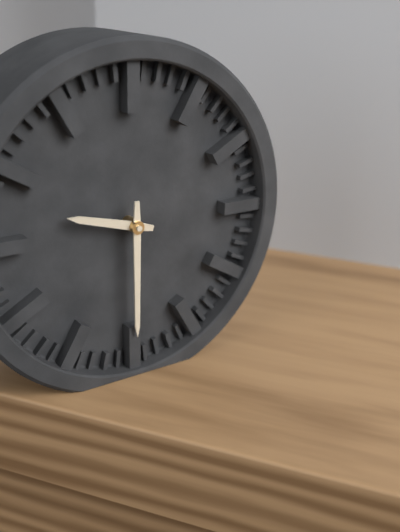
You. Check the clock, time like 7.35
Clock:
9.30
